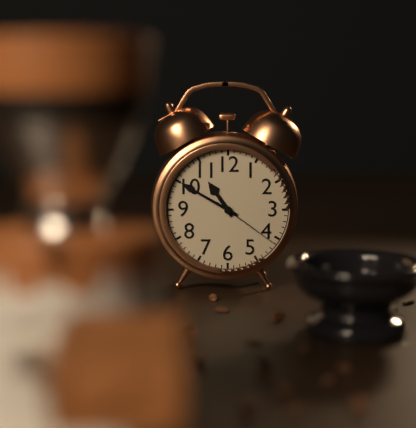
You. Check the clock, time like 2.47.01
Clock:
10.50.21
